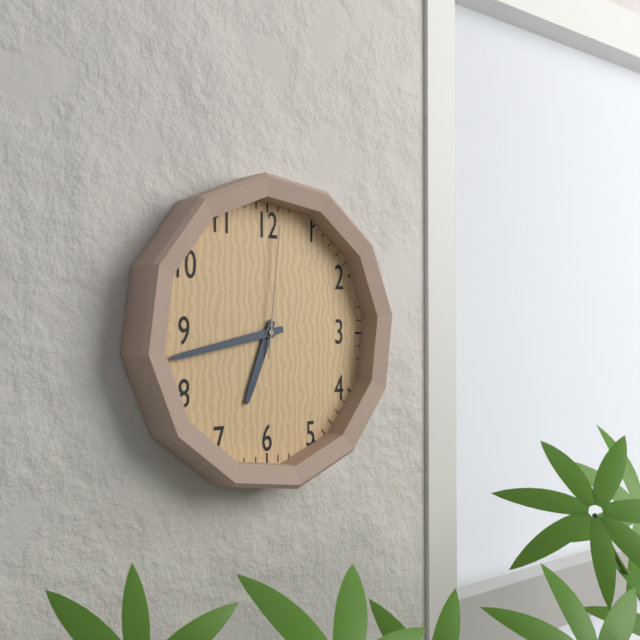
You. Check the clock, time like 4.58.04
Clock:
6.43.01
